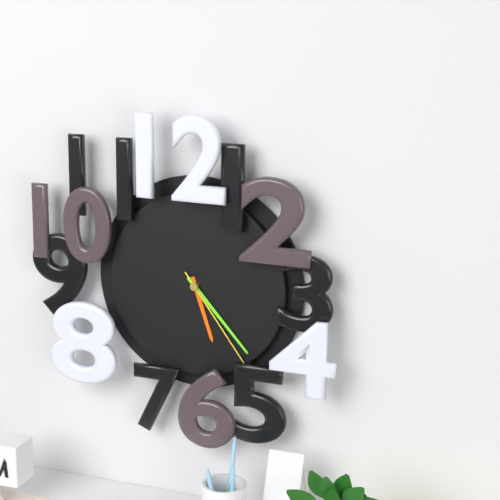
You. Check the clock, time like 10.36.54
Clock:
5.23.24
